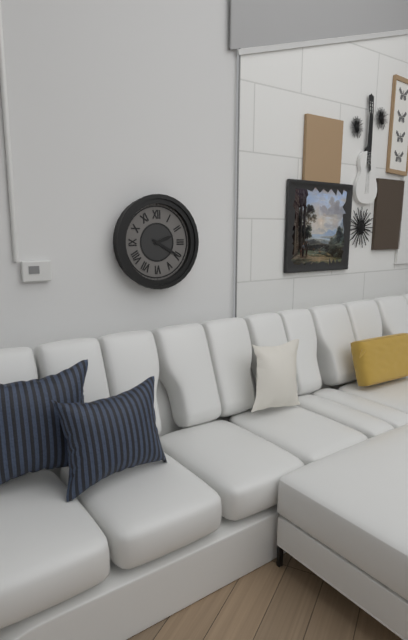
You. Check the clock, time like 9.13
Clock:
2.20
